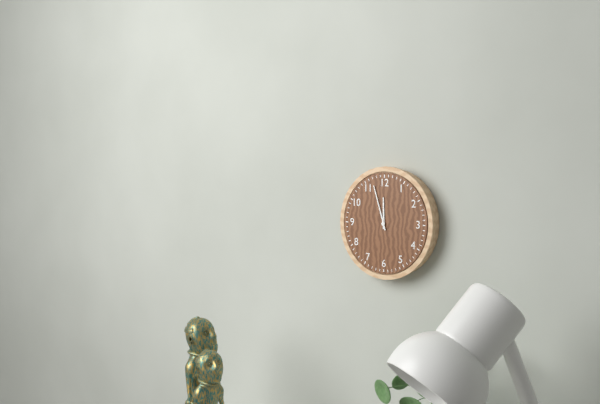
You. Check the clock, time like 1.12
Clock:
11.57
